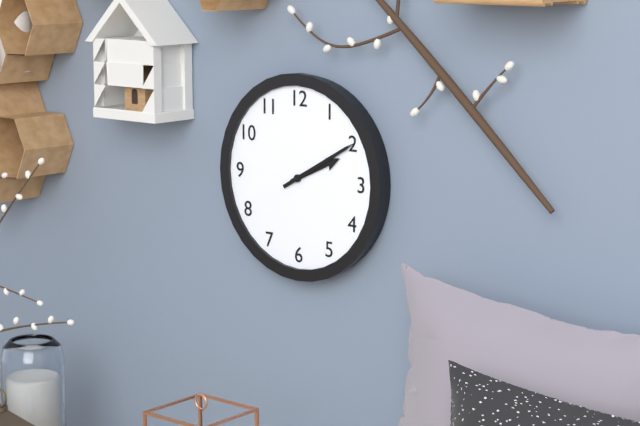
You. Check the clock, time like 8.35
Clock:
2.10
